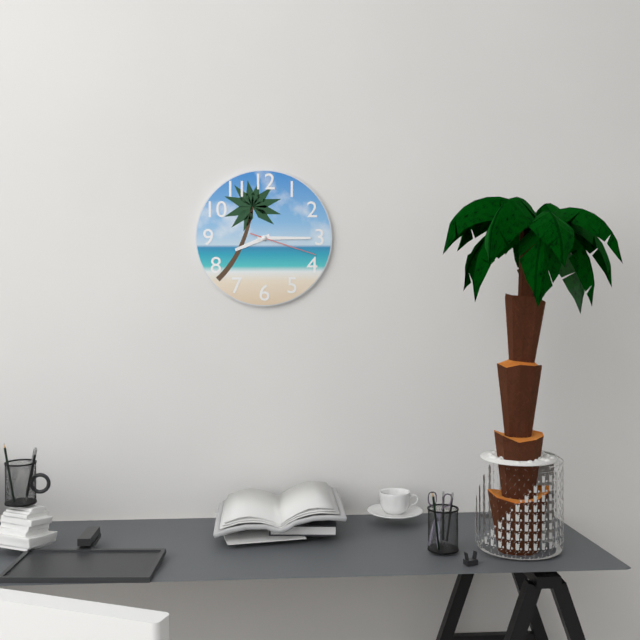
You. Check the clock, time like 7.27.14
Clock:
8.15.18
